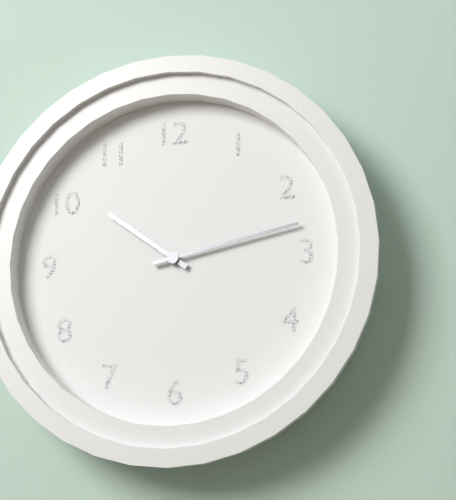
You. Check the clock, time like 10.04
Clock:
10.13
